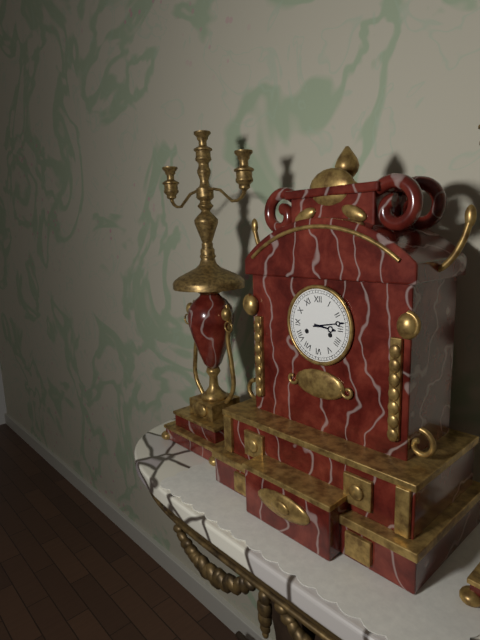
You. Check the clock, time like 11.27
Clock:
3.13
